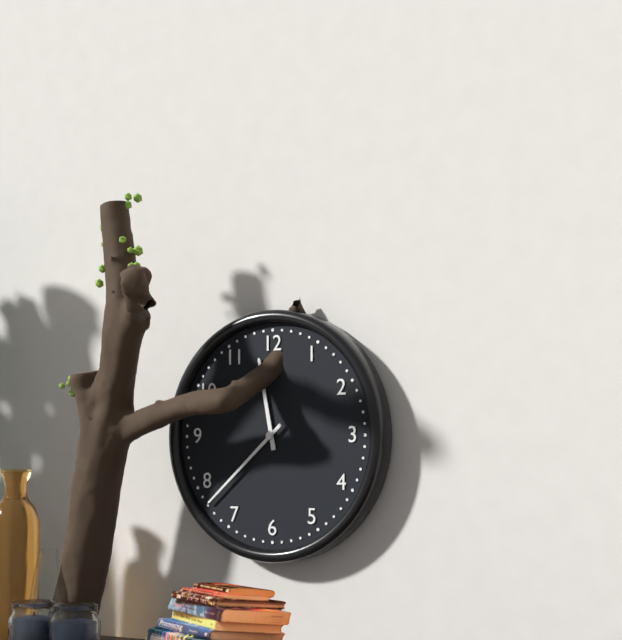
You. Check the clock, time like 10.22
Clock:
11.38
